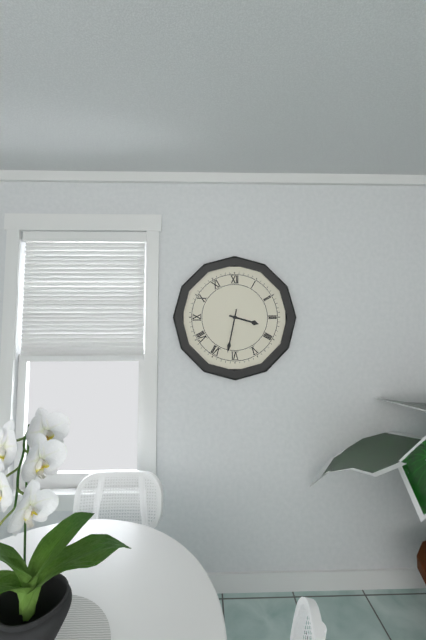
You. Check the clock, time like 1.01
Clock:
3.32
